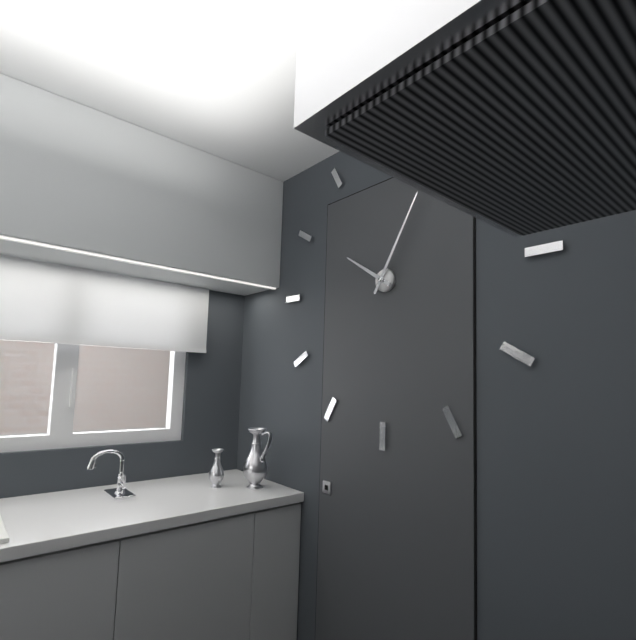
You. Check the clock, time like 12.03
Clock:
10.05
